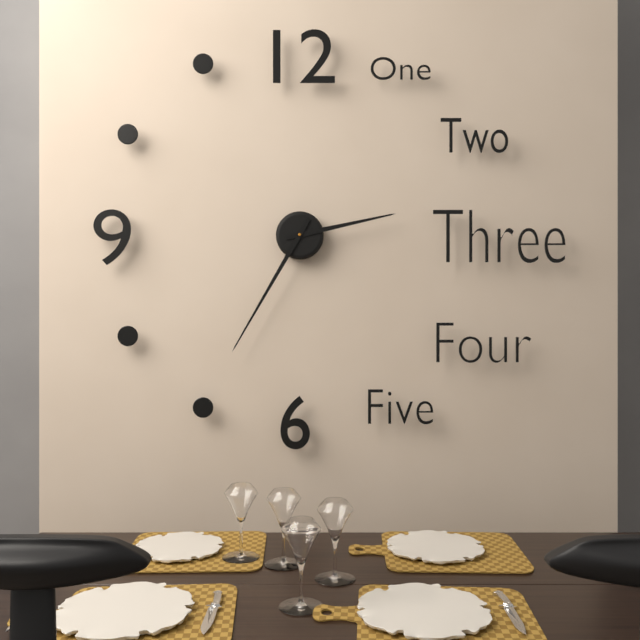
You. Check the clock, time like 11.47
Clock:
2.35
